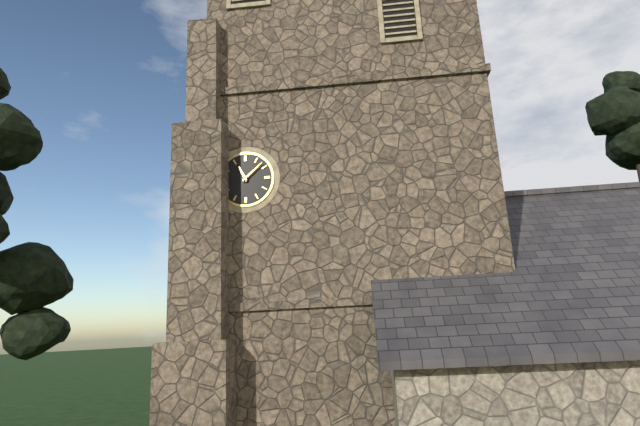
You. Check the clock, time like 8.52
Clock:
11.08
